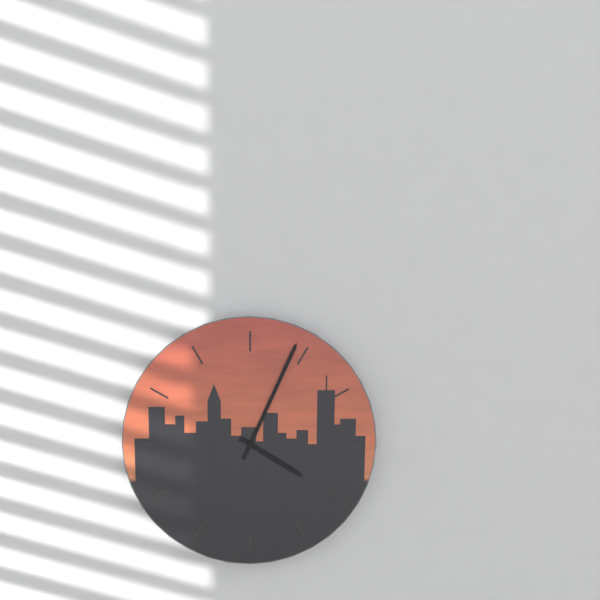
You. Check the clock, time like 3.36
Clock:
4.04
